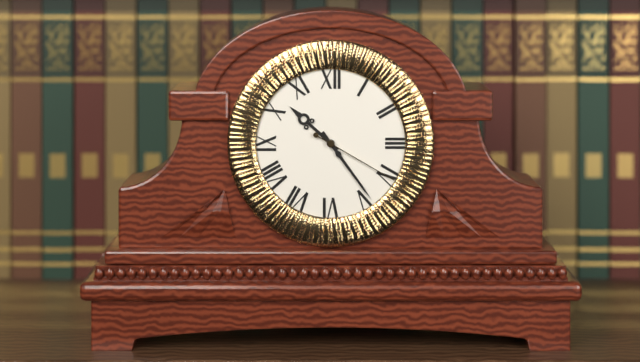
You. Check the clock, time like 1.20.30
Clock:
10.24.20
